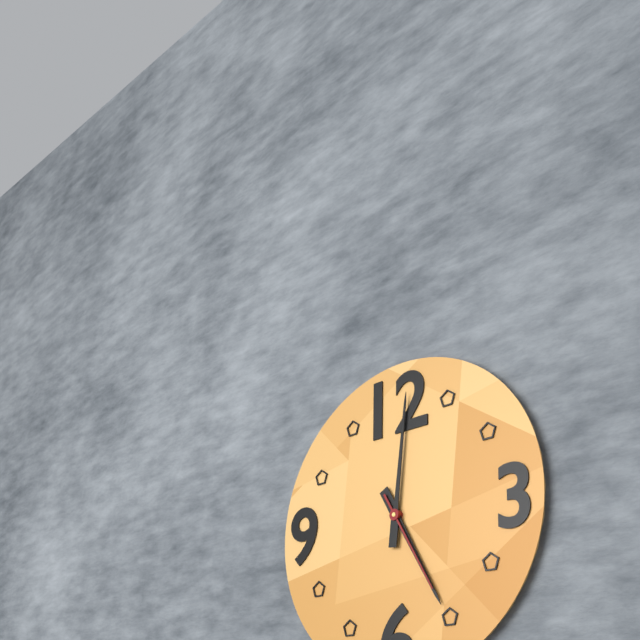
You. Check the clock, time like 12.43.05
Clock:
5.01.25
